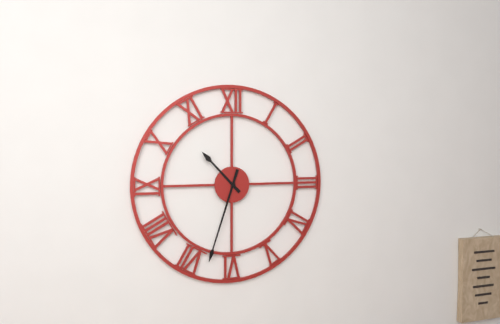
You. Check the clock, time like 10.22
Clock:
10.33
